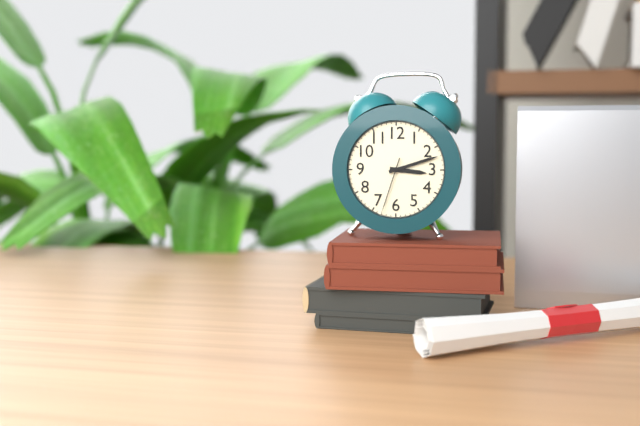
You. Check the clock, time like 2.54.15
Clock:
3.12.33
